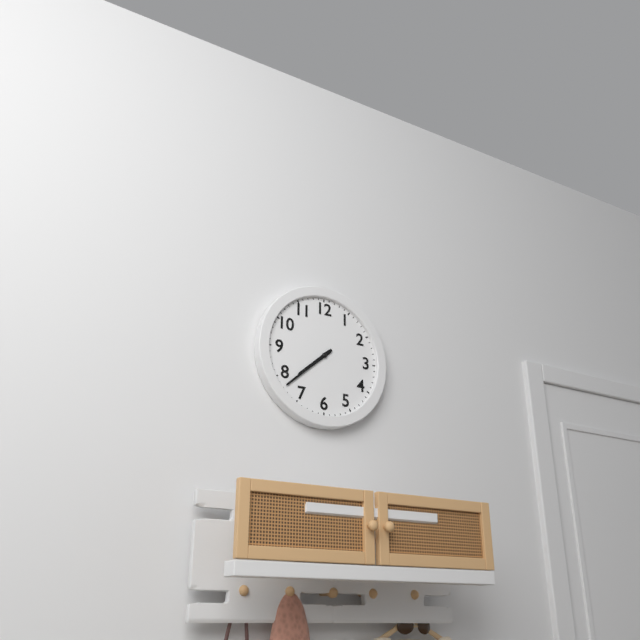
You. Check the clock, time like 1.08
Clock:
7.38
